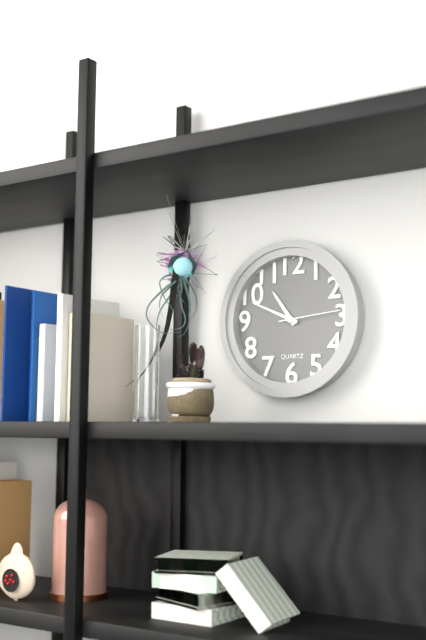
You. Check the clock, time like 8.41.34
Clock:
10.49.14
